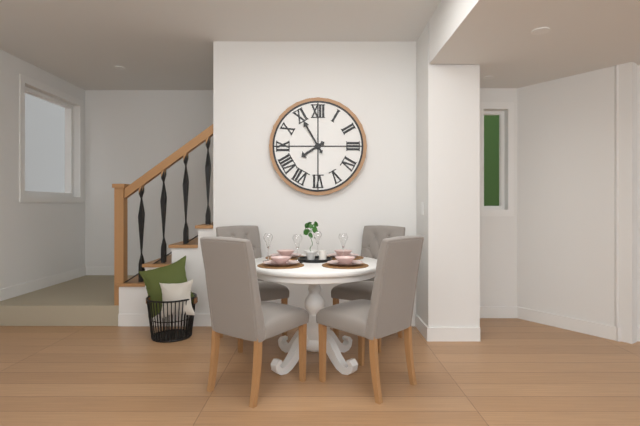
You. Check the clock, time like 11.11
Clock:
7.55
